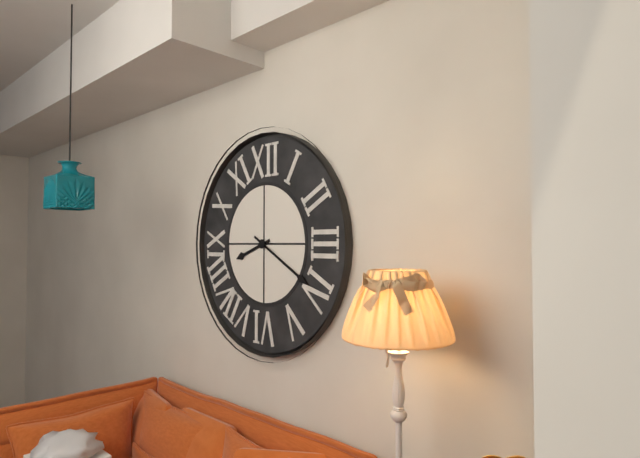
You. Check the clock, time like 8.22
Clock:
8.20
